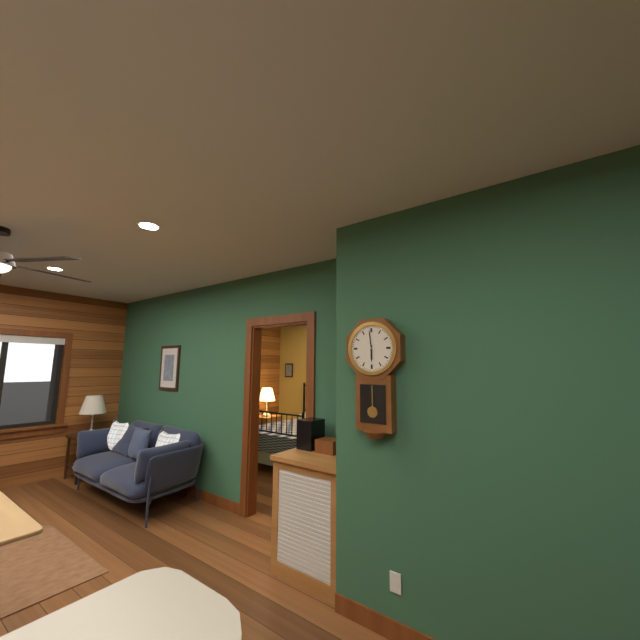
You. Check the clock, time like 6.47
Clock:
5.59
